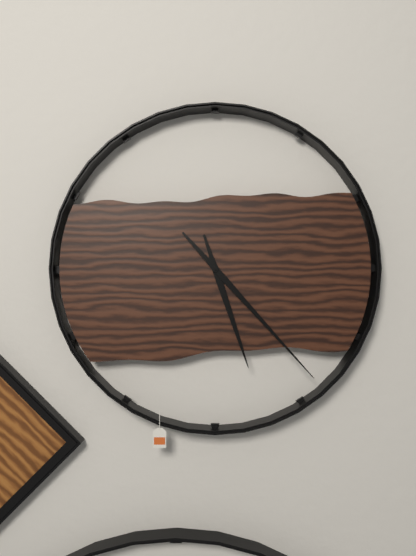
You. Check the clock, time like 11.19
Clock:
5.23
